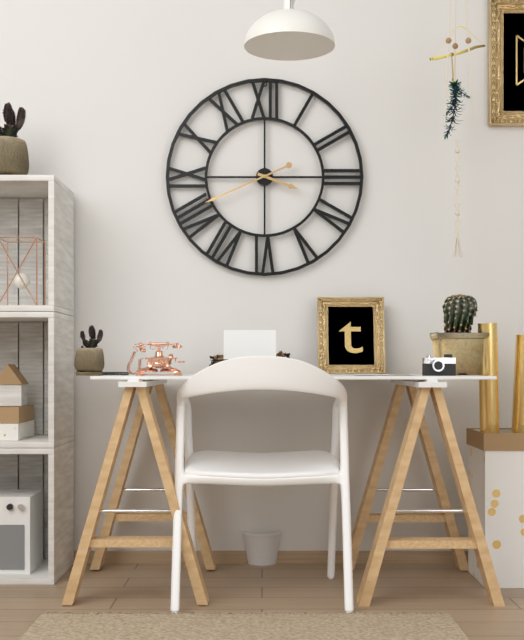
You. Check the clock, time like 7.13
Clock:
3.41
